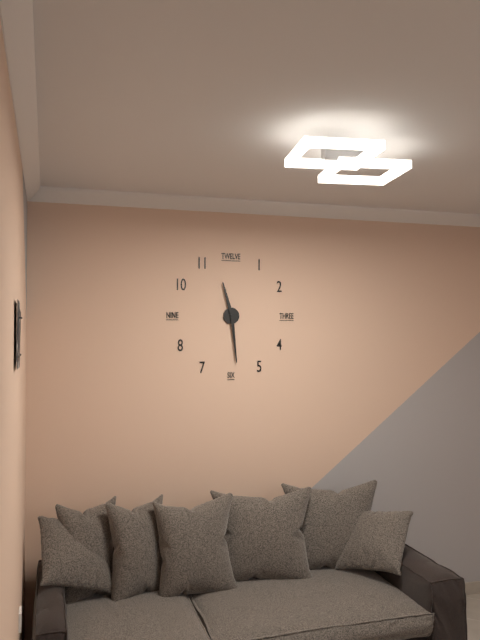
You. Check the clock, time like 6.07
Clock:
11.29
